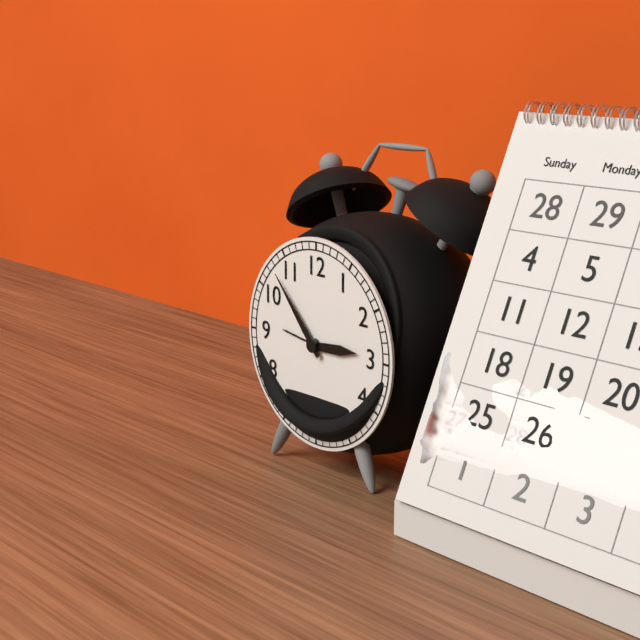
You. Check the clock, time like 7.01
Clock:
2.53
